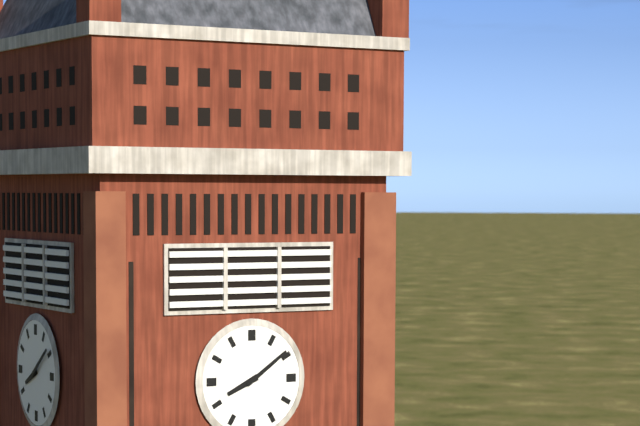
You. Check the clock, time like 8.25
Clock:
8.09
